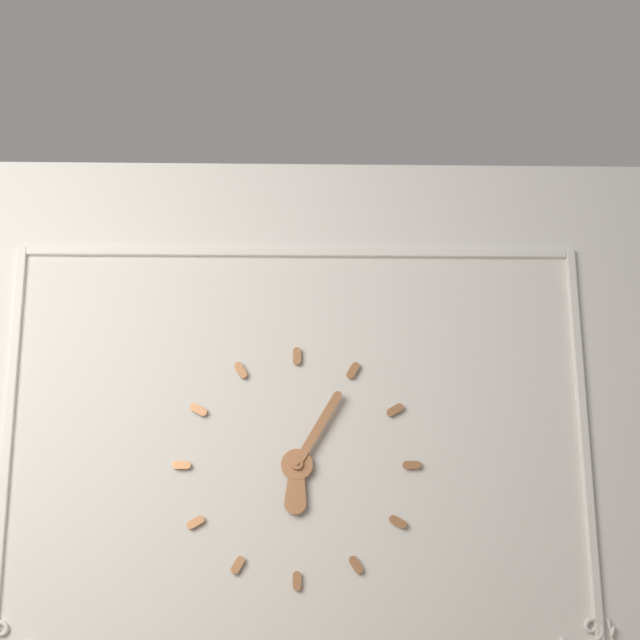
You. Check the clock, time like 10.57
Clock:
6.05
